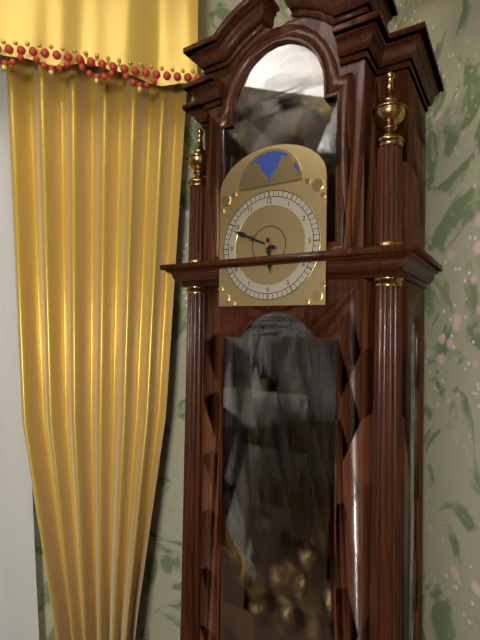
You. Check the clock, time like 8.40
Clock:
5.49
